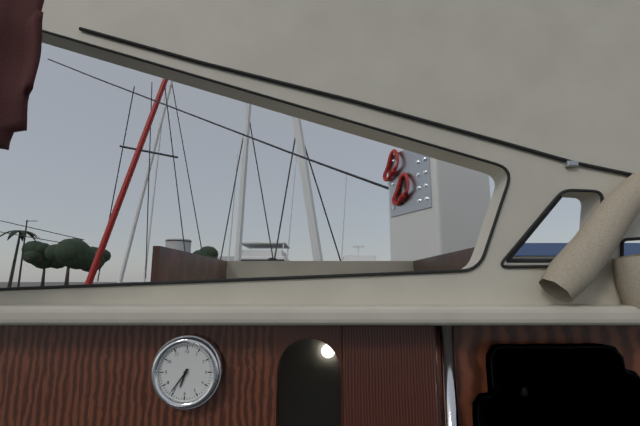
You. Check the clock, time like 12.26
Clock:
6.36
